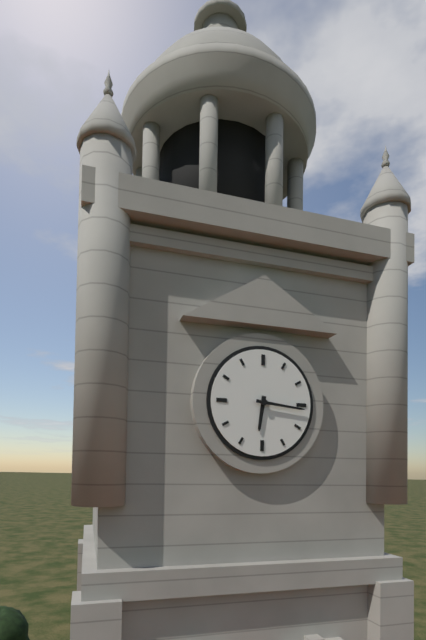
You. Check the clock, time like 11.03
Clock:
6.16
